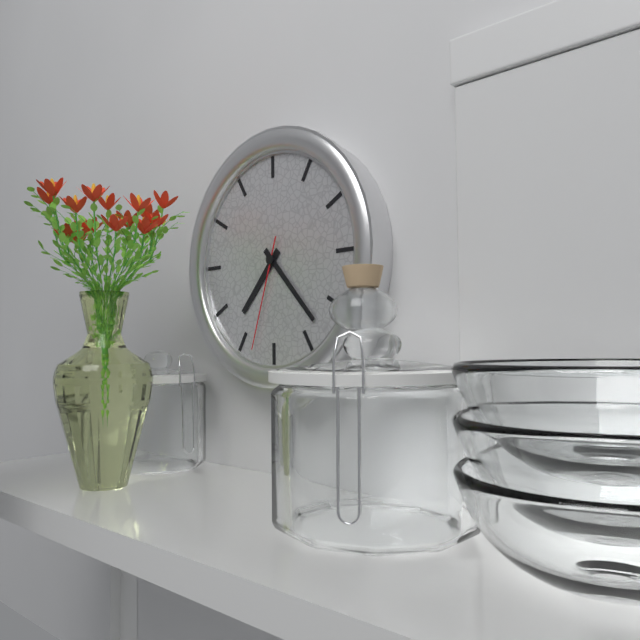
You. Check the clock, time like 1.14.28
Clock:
7.23.33
